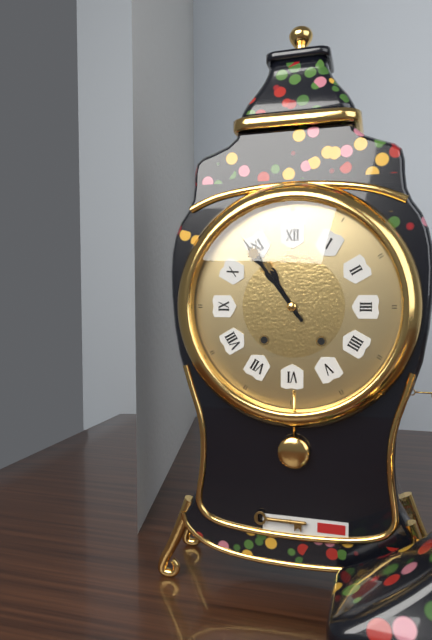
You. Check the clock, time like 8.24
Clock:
10.54
